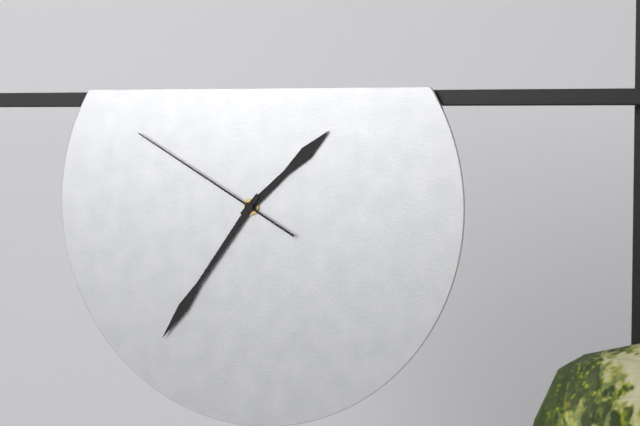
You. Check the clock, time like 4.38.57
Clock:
1.36.50
